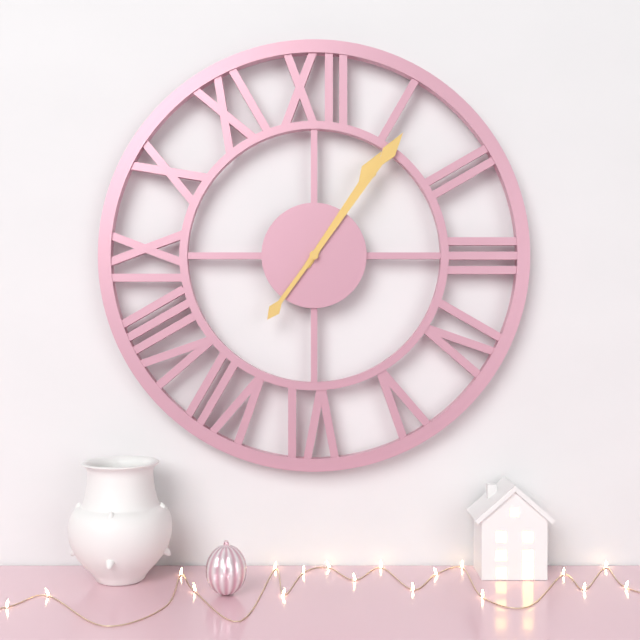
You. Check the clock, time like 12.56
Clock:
1.06
